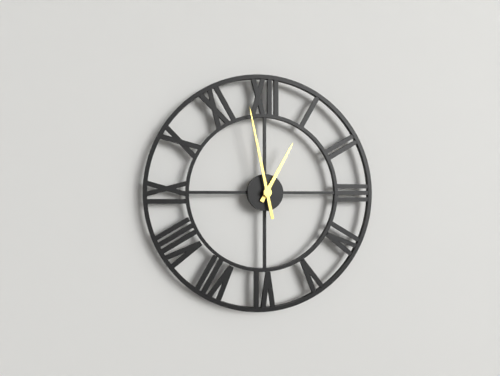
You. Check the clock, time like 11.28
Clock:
12.58
